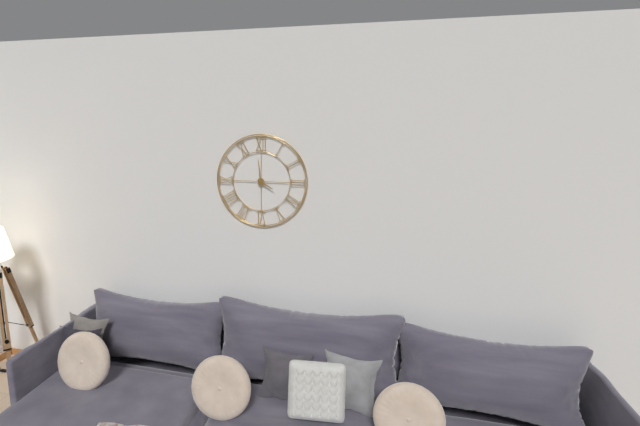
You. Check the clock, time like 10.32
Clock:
3.59
